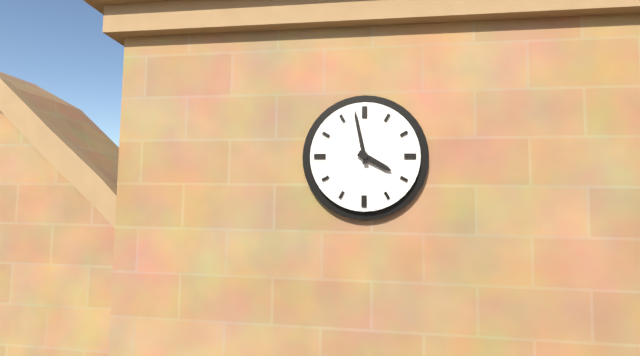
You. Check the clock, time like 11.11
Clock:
3.58
